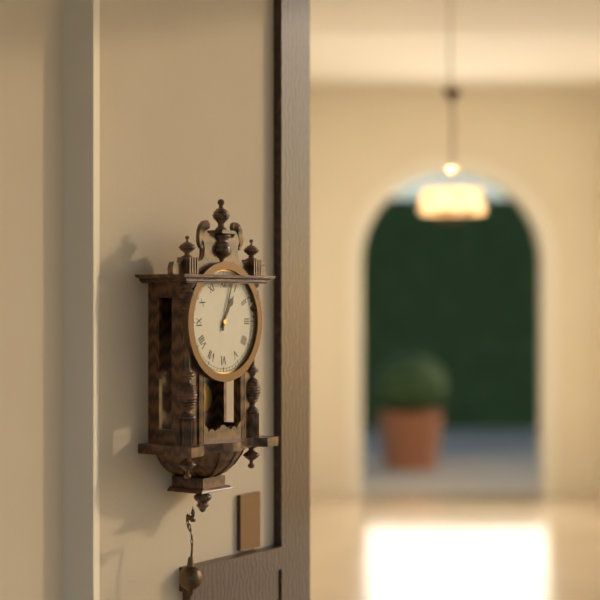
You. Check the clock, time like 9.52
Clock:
1.03
